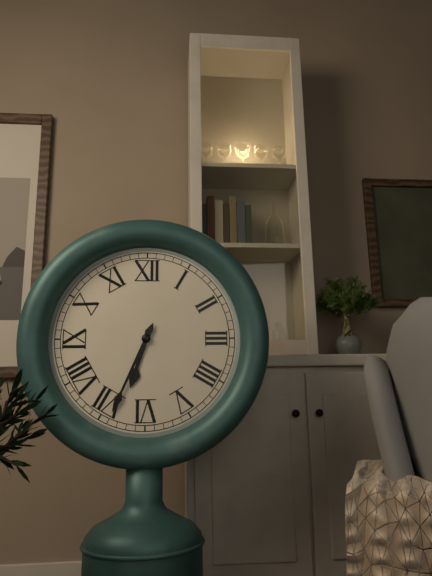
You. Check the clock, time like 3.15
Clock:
6.34
